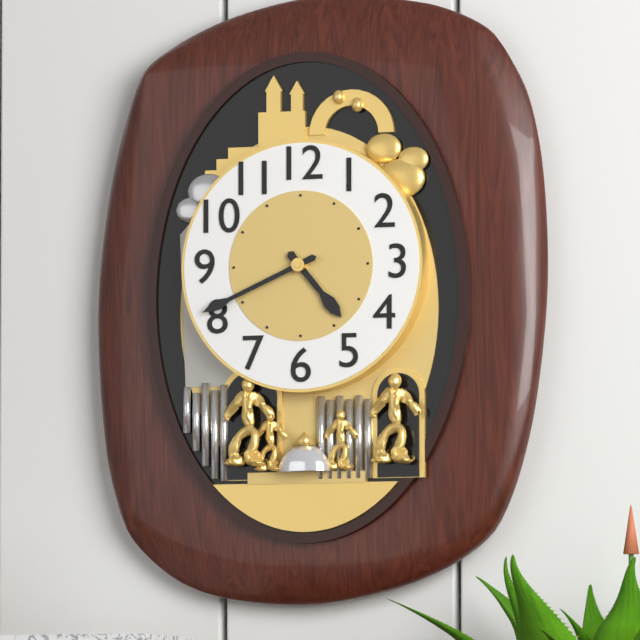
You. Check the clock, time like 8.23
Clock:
4.41
